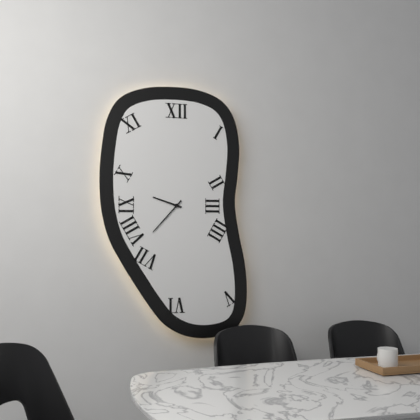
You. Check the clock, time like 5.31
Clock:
9.37
